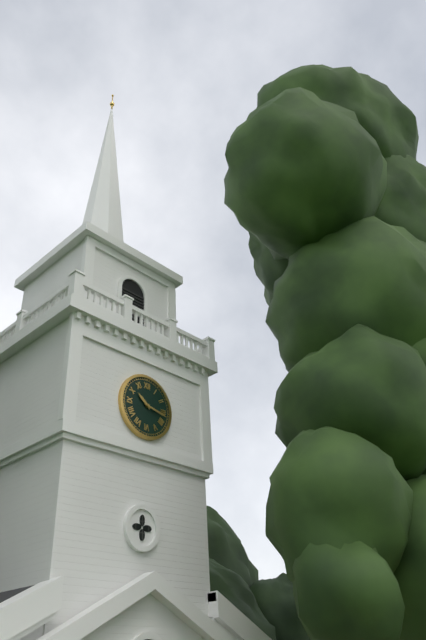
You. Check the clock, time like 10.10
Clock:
10.17
